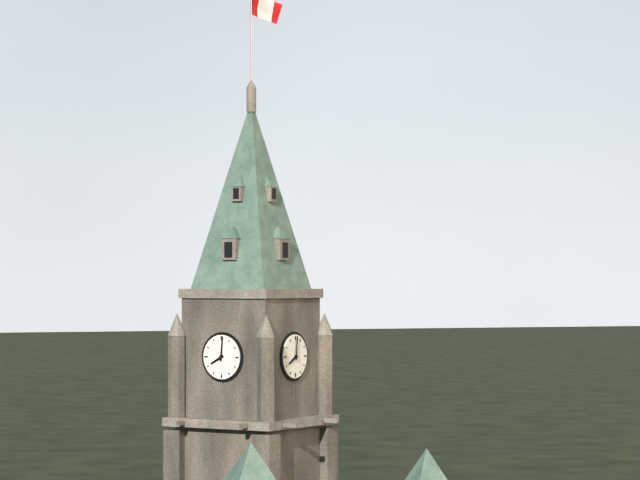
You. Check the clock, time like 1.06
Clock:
8.01
